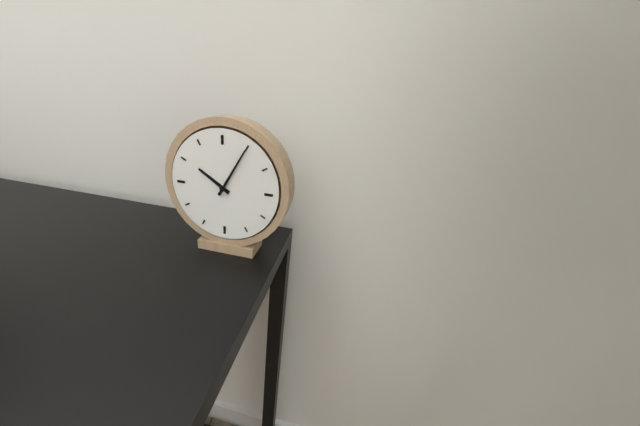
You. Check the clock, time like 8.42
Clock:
10.05
